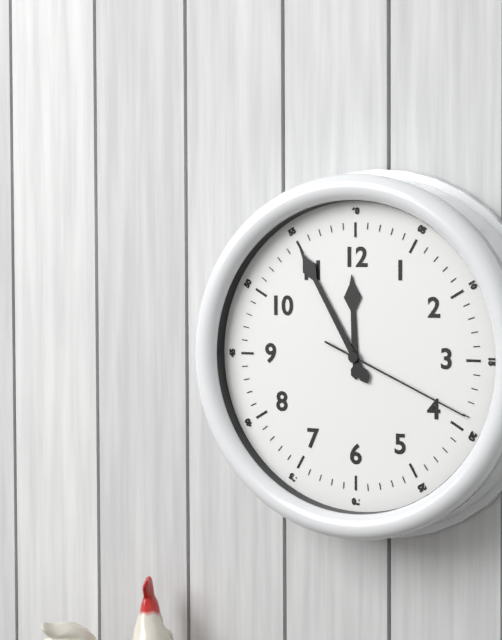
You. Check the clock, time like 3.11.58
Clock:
11.55.19
